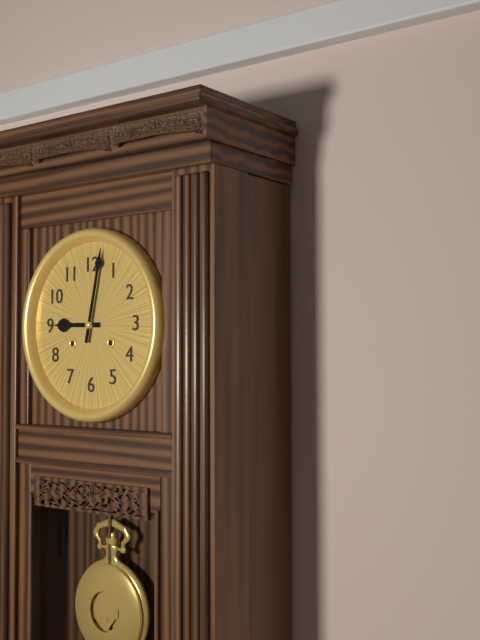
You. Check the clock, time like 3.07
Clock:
9.02
